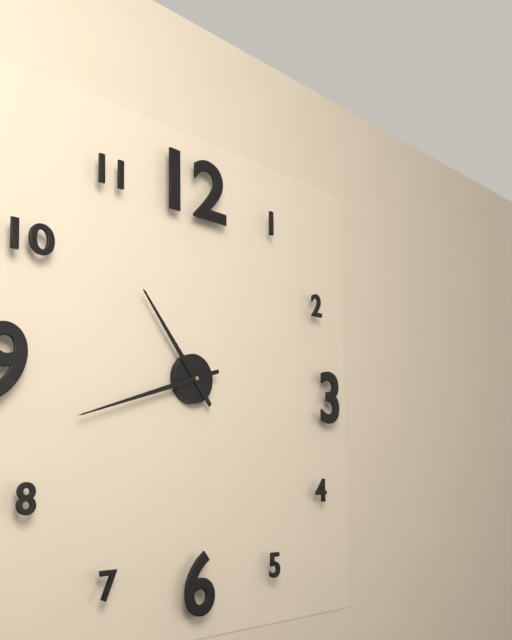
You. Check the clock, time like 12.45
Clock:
10.42
